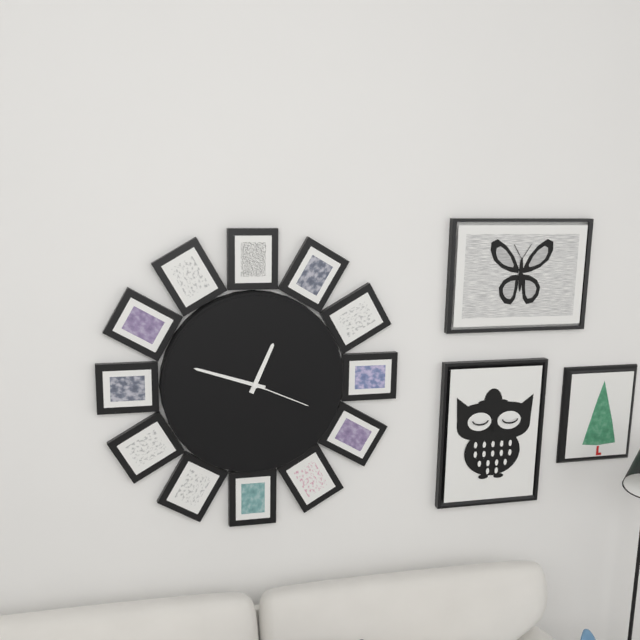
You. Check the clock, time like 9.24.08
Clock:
12.48.19
